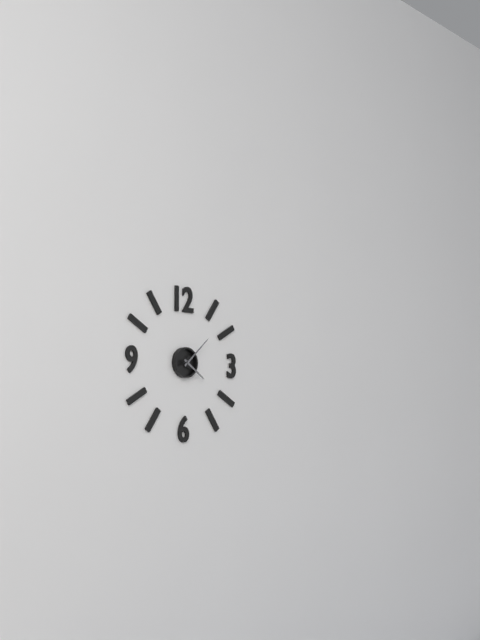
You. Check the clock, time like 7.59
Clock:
4.08
